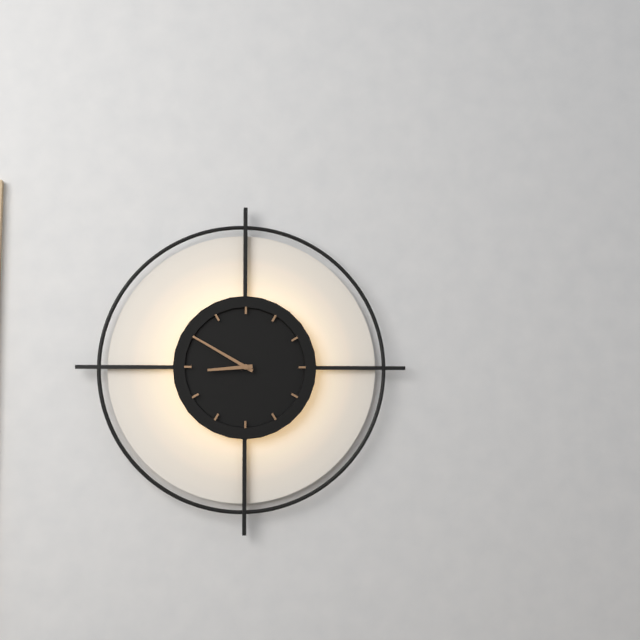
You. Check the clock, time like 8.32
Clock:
8.50
